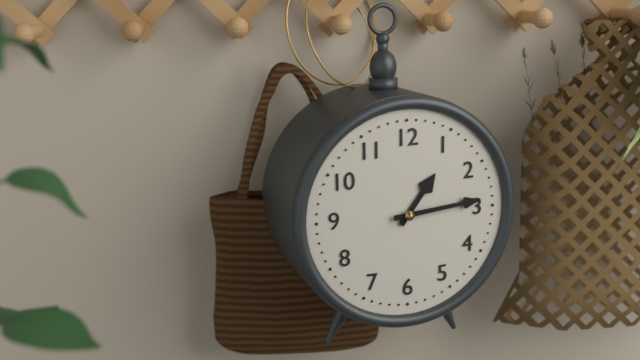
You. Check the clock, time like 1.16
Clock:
1.14
